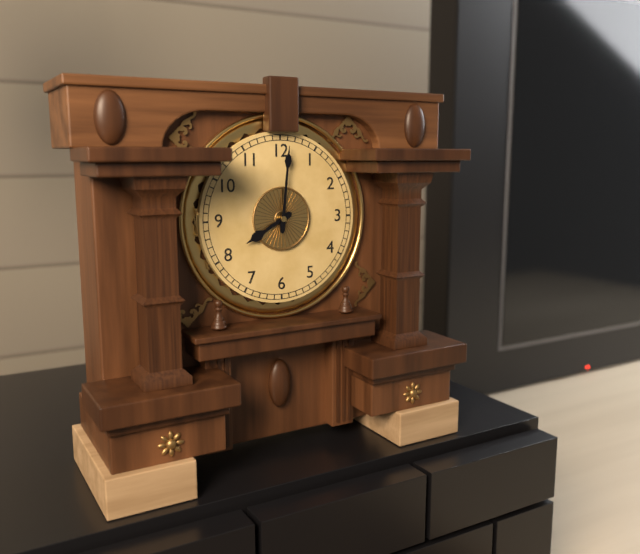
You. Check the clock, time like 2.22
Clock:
8.01
